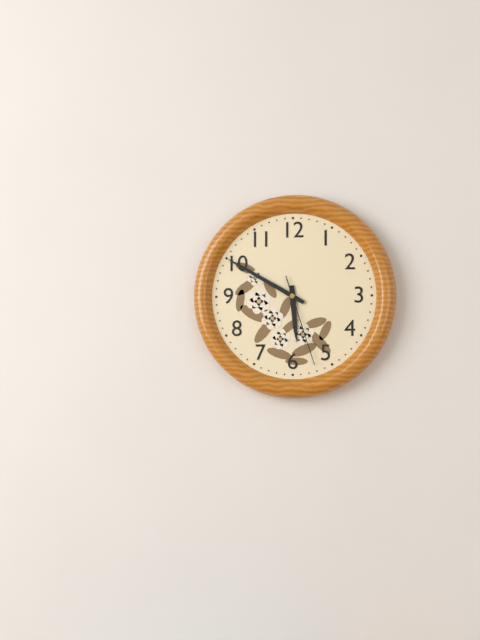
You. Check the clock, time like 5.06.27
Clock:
5.50.27
